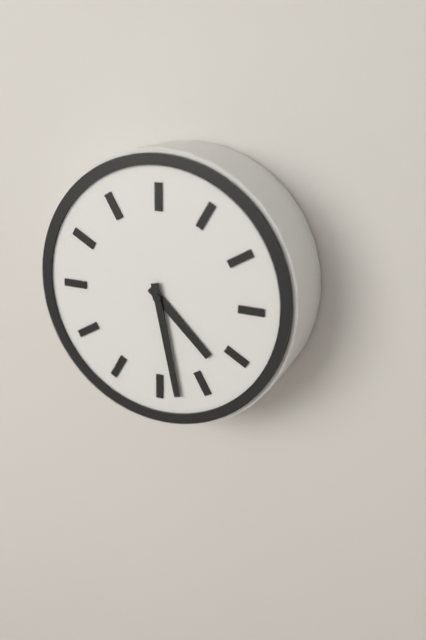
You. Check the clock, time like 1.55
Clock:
4.28
